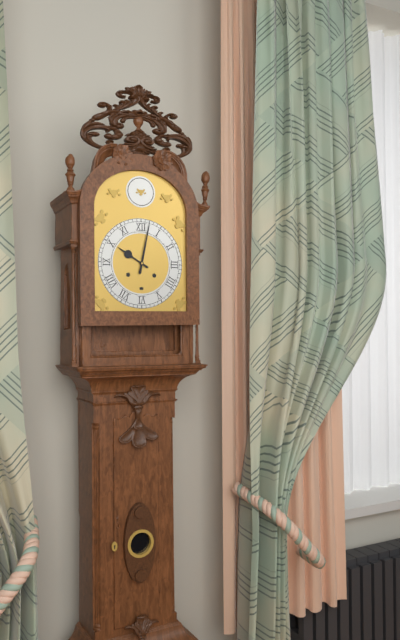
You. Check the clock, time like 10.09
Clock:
10.02
